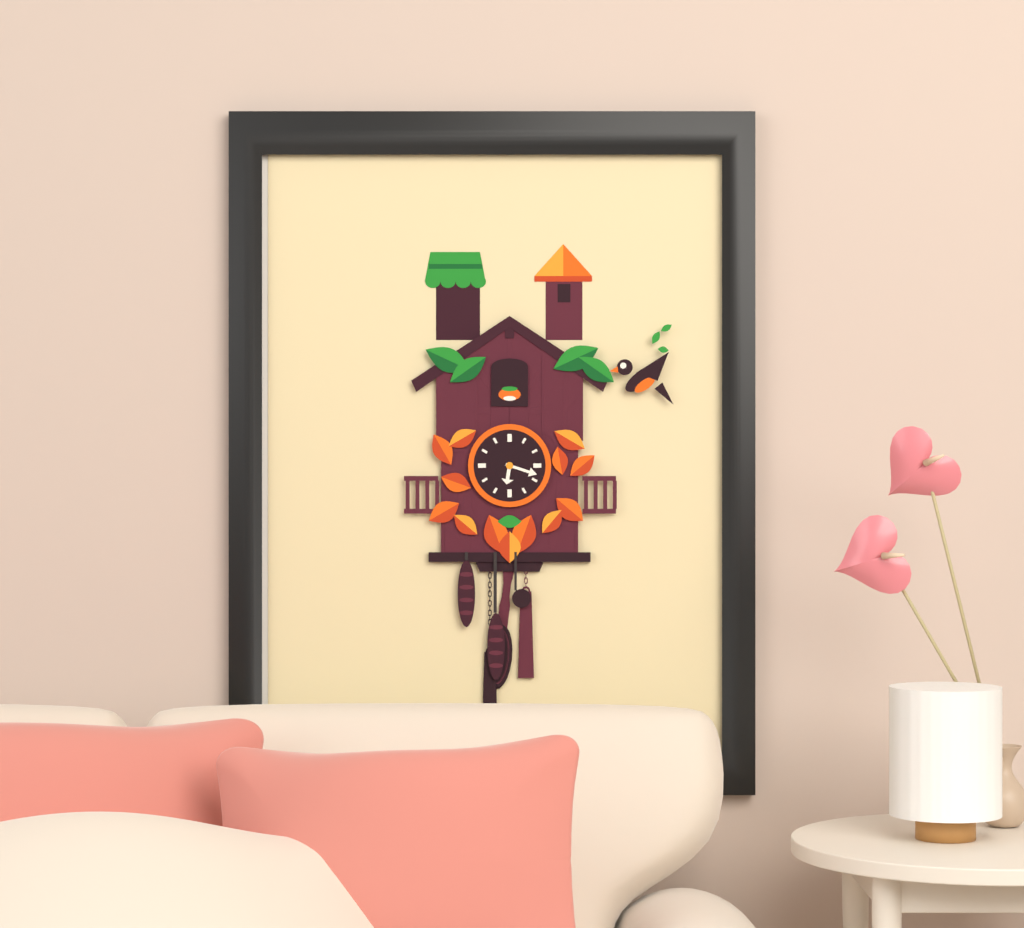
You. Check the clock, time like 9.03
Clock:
6.18
